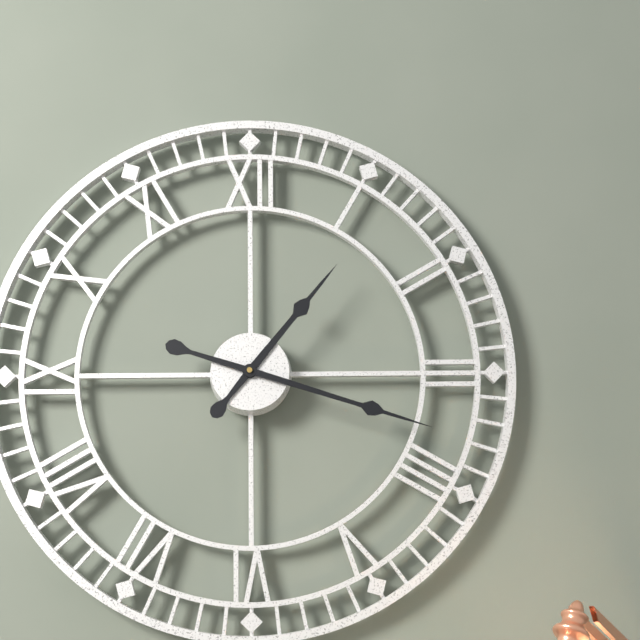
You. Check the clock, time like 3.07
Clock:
1.18
